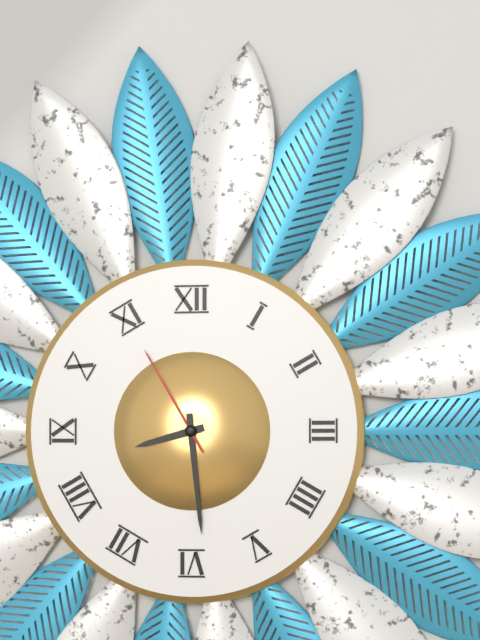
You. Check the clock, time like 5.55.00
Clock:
8.29.55
